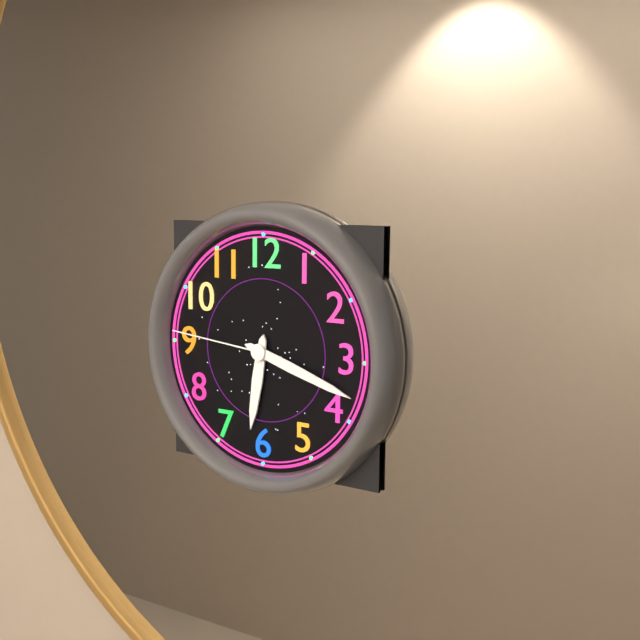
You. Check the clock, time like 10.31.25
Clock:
6.18.46
